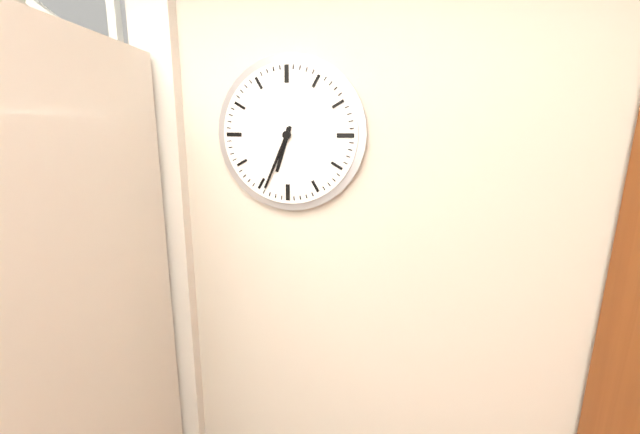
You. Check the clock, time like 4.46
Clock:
6.34
